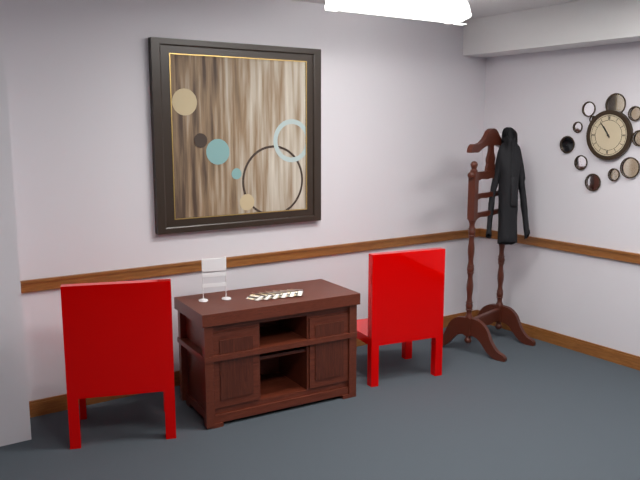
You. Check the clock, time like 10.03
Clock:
10.54
